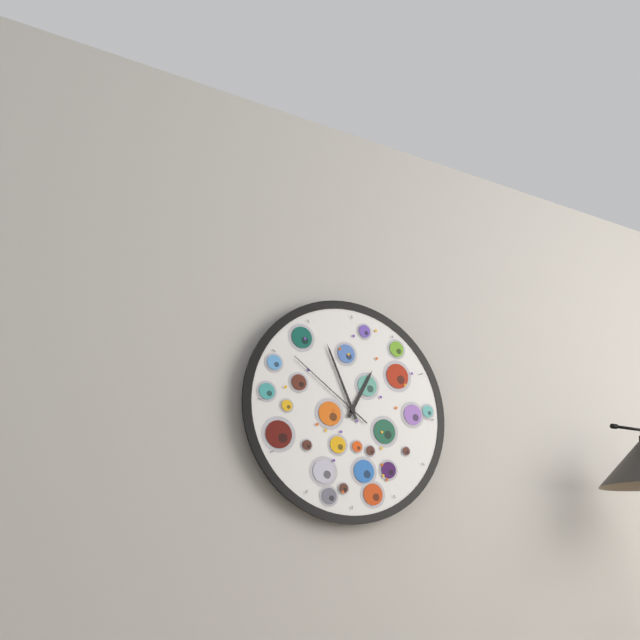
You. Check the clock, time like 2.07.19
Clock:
12.56.51
